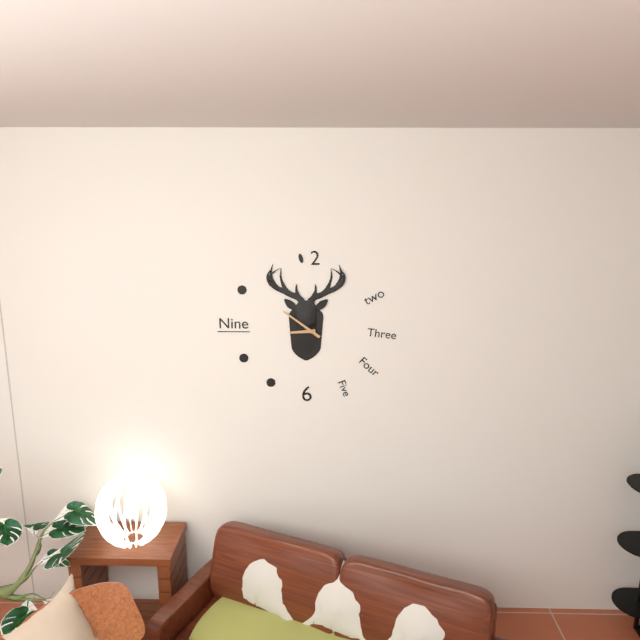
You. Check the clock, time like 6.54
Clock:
8.51
